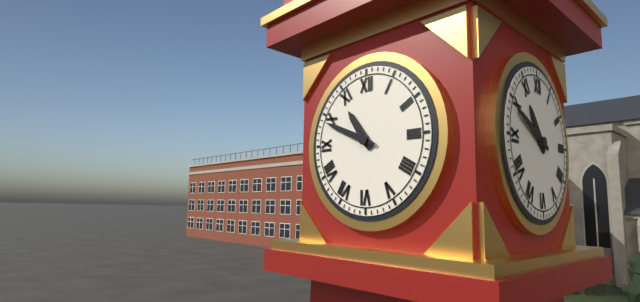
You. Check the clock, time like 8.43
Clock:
10.49
